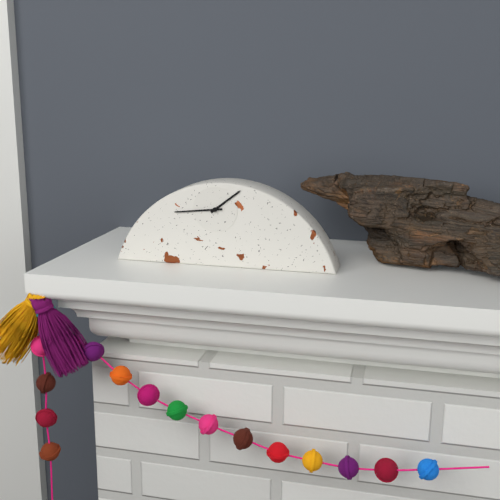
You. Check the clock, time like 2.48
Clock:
1.44
